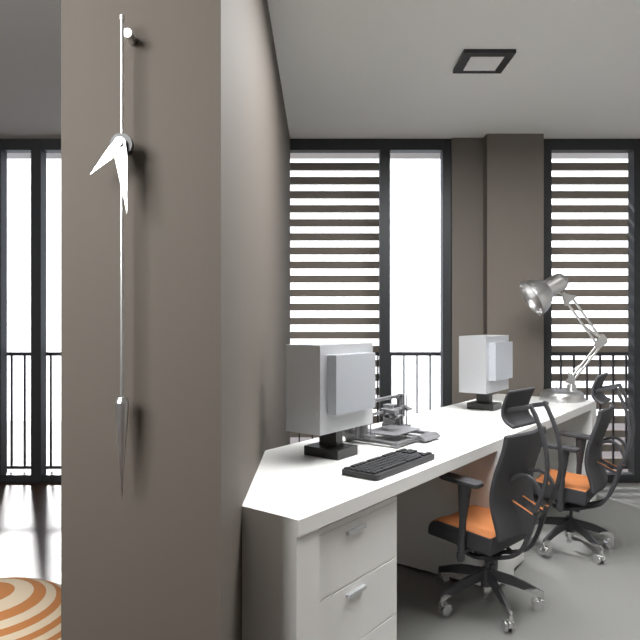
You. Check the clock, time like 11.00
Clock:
7.29
